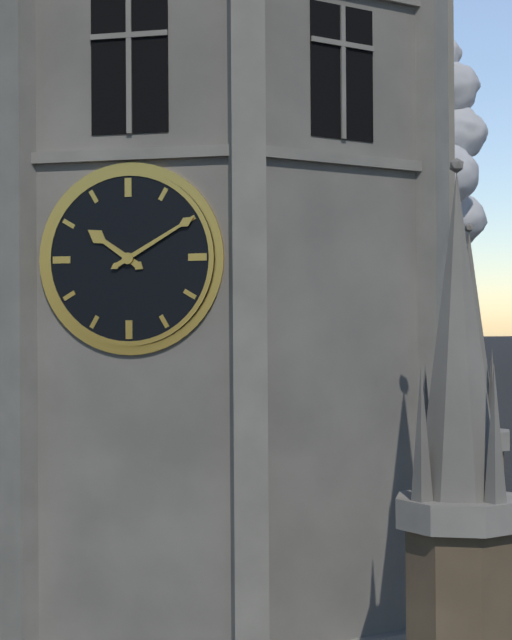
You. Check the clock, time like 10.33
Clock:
10.10
